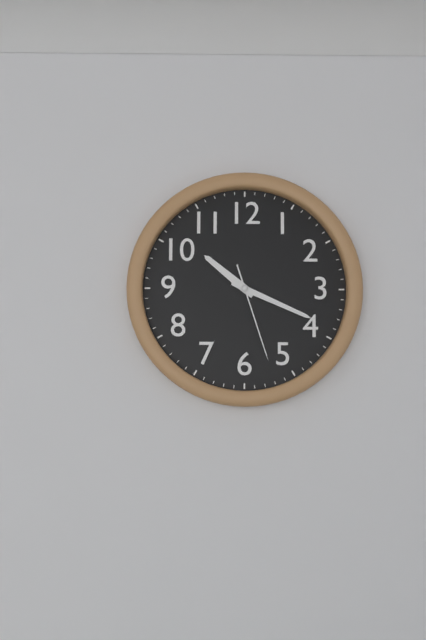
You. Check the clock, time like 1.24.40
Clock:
10.19.27
